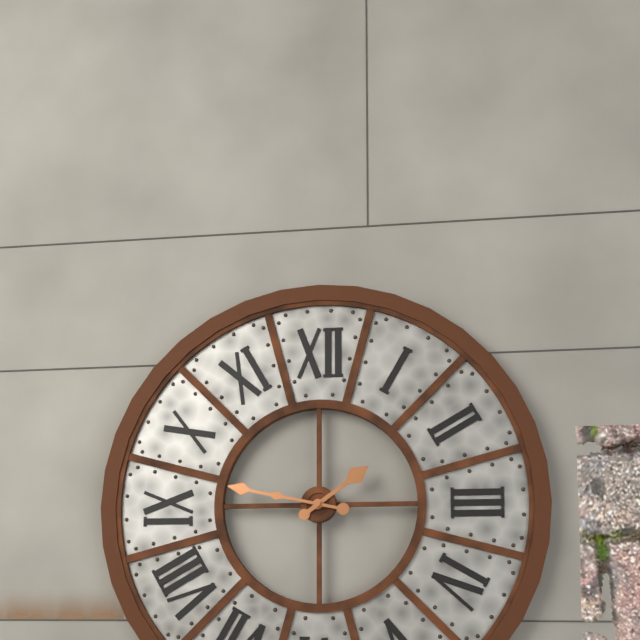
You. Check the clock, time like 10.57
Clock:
1.47
